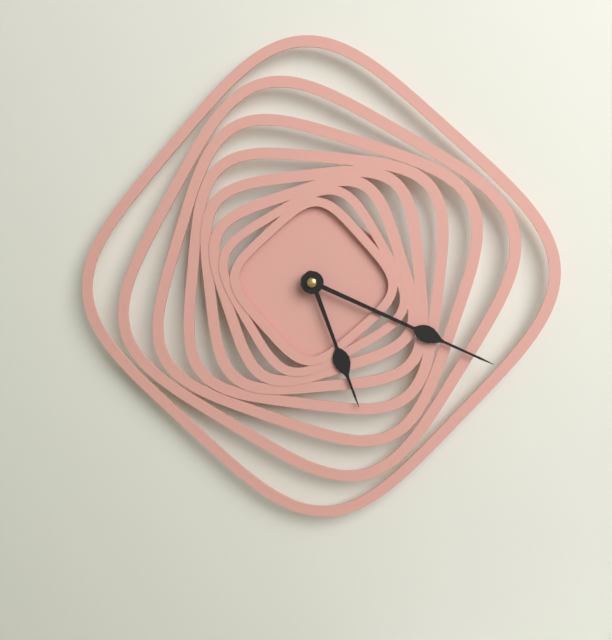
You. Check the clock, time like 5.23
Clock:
5.19
